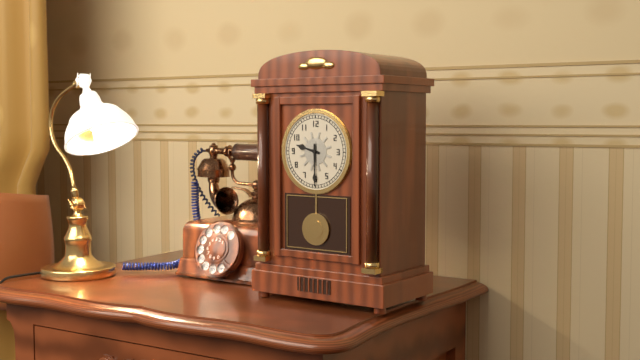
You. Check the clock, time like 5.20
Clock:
9.30
